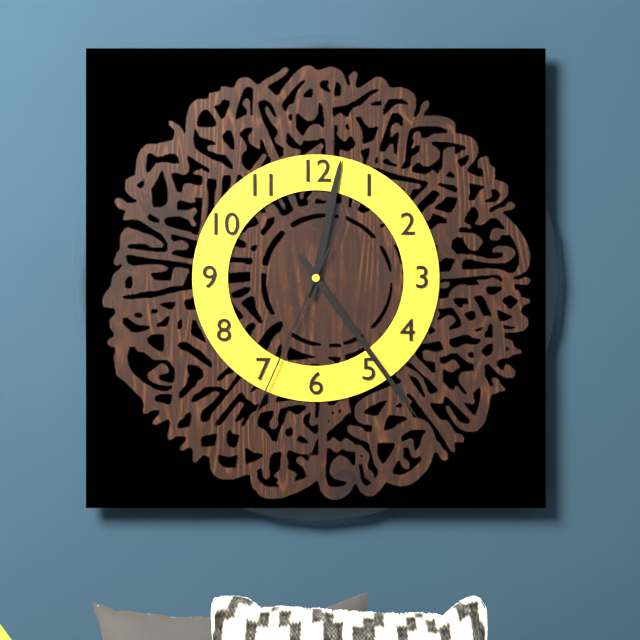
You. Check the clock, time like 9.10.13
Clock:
12.24.34
